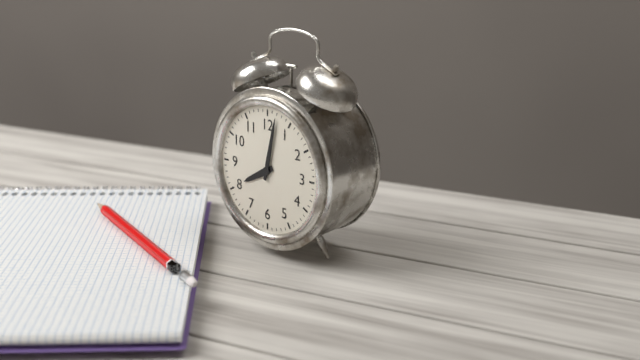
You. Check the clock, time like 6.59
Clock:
8.02
